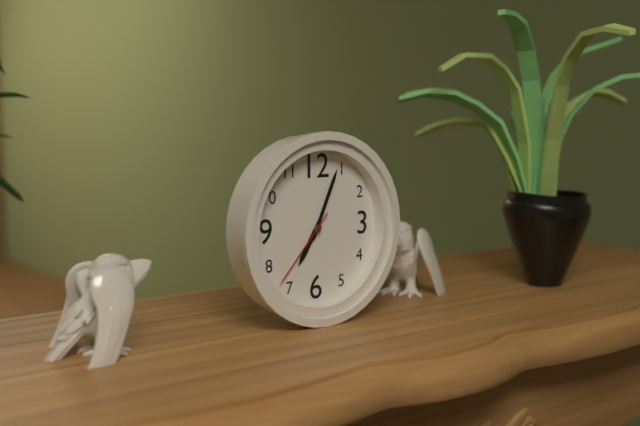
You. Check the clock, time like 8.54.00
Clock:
7.04.37
